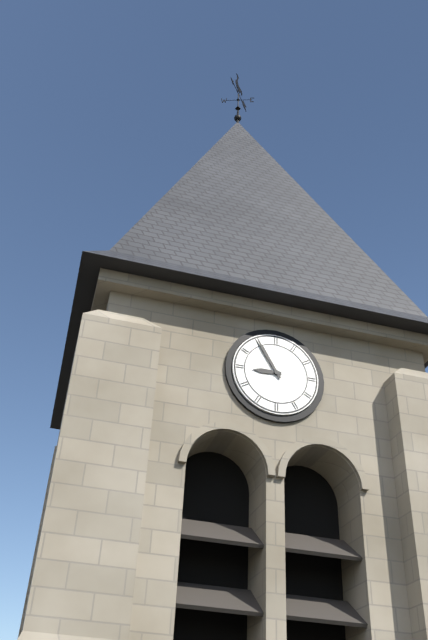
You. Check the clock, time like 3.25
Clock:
8.55
